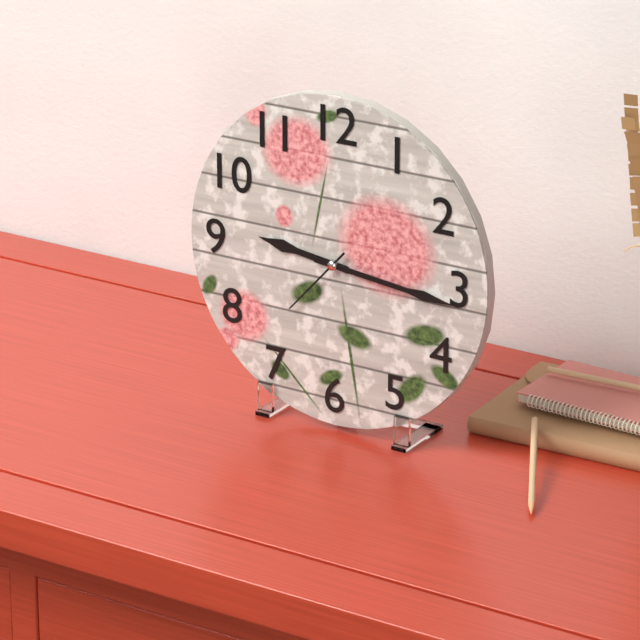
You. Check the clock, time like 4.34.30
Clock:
9.16.37
